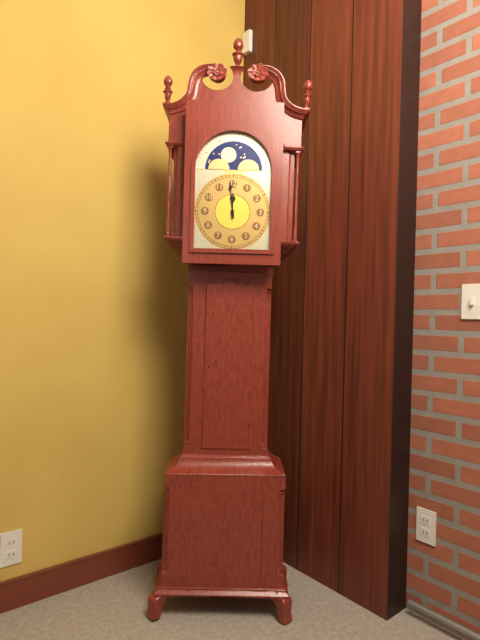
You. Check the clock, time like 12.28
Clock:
11.59
